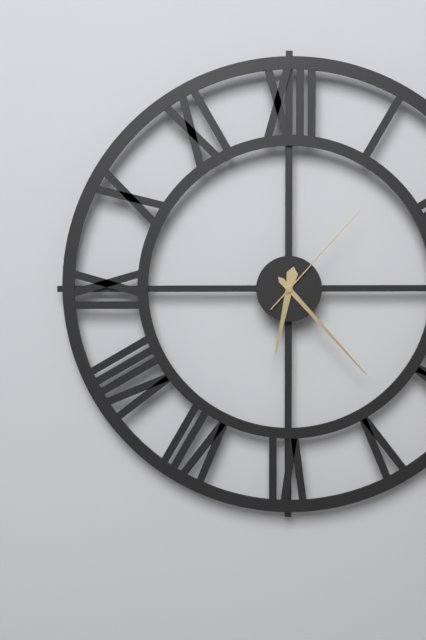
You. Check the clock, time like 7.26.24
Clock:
6.23.07
